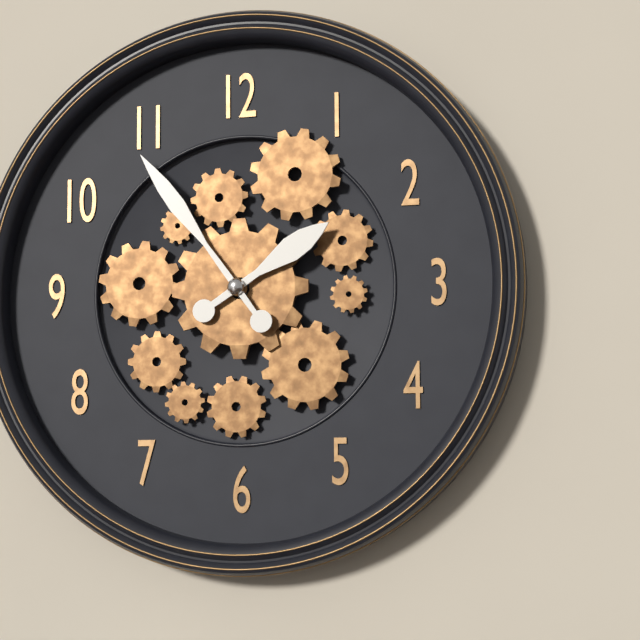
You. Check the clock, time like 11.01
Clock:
1.54
